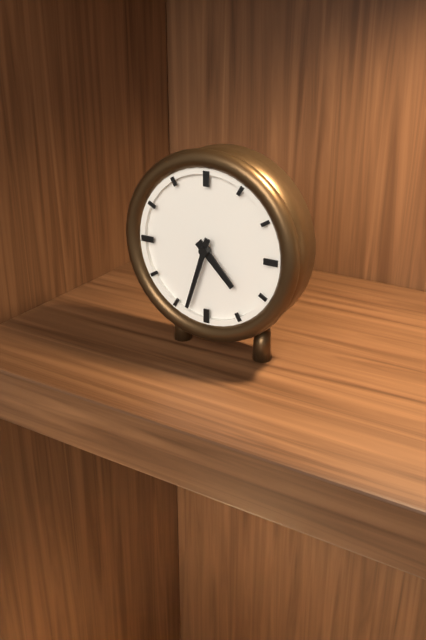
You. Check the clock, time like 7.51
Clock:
4.33
